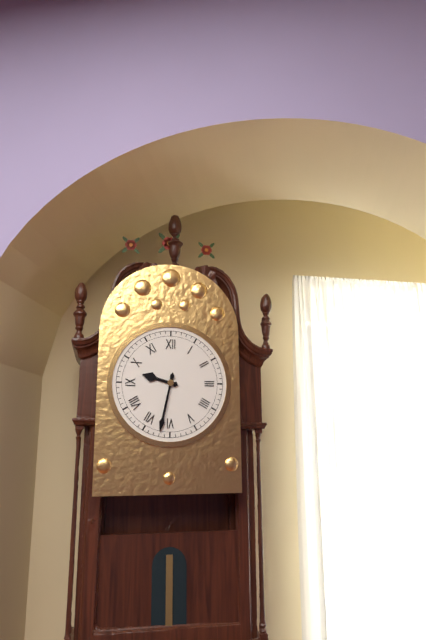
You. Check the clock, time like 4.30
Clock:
9.32
